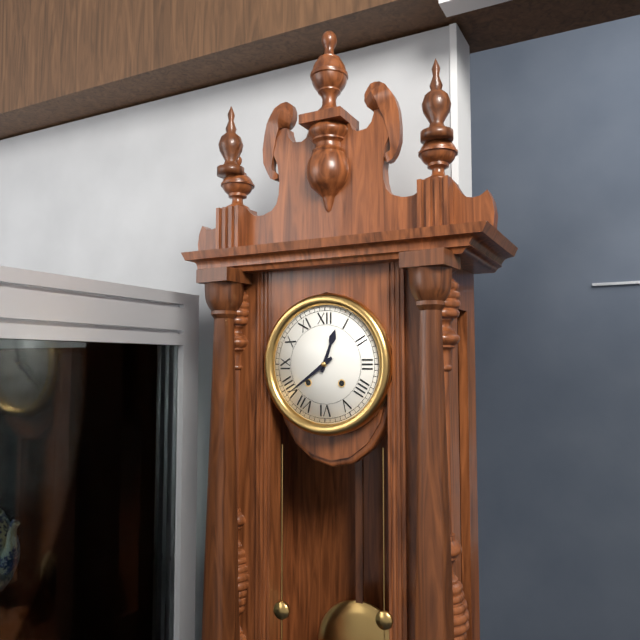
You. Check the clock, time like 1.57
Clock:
12.39
